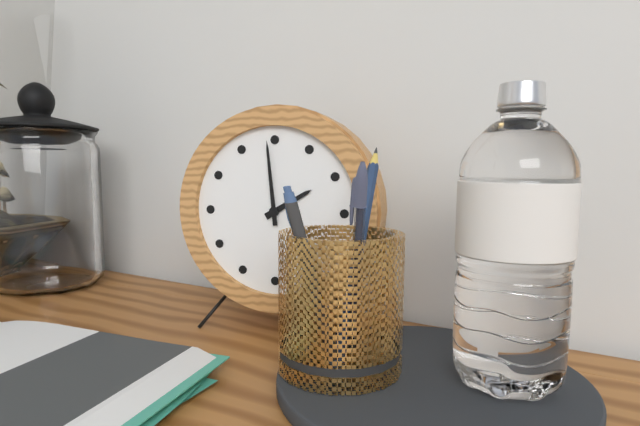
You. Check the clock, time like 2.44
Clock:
1.59
